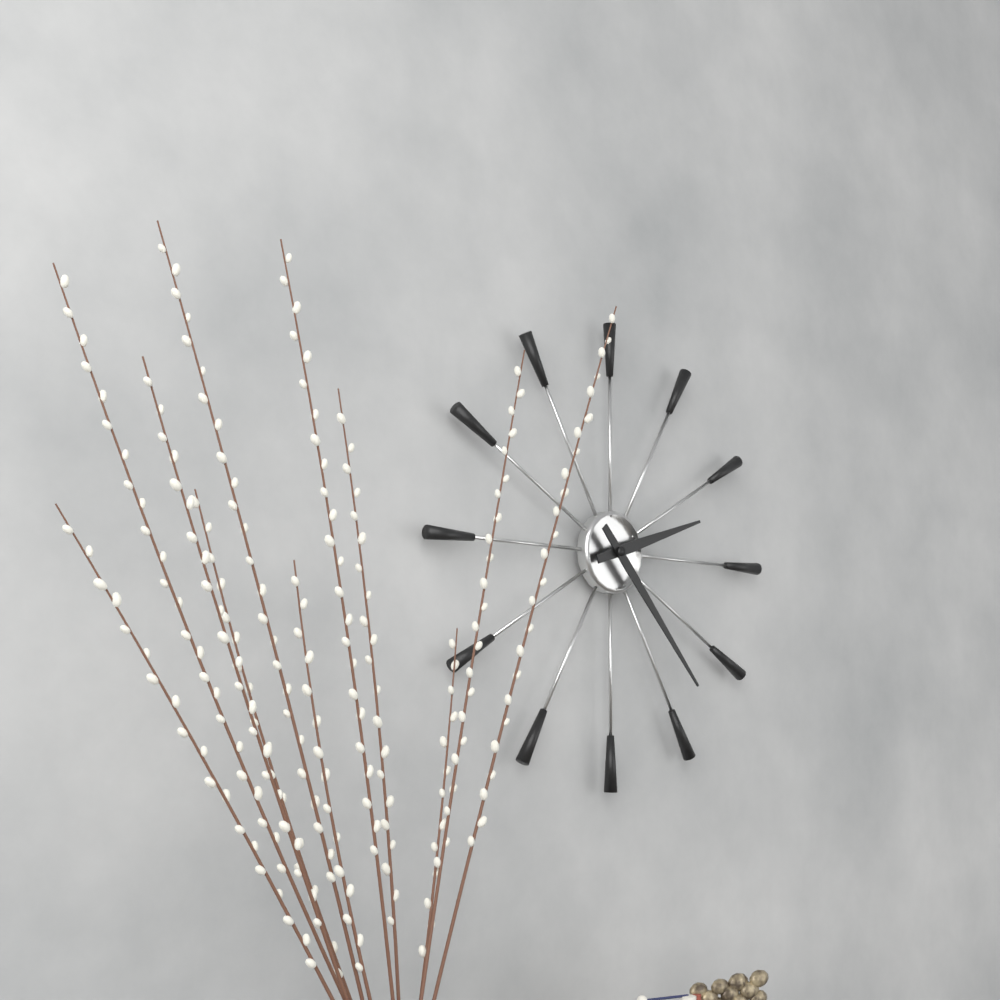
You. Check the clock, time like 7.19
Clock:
2.23
